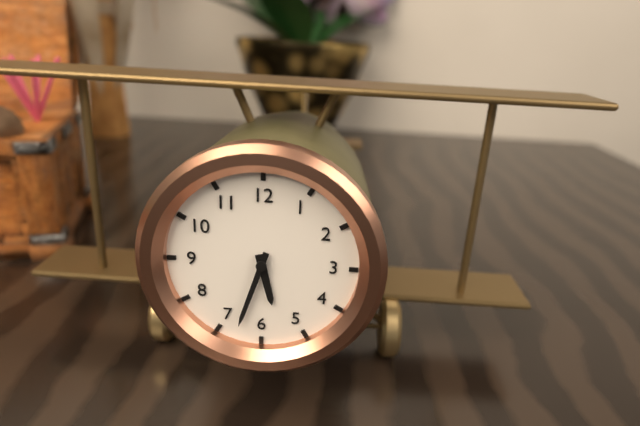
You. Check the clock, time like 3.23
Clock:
5.33
